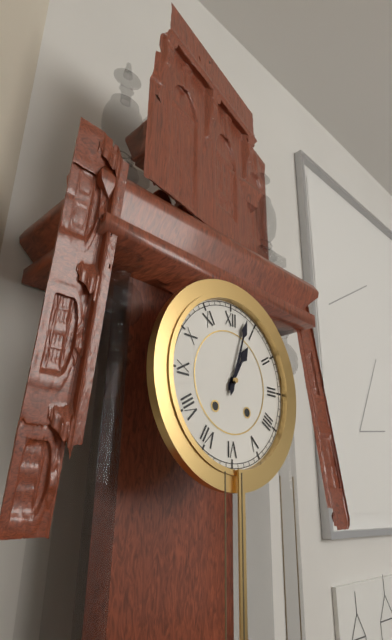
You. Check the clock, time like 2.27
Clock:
1.03
